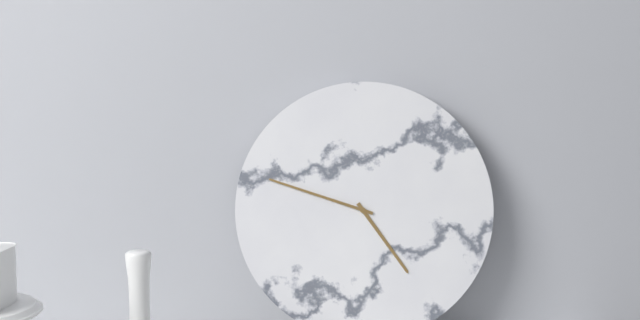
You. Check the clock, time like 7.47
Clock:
4.48
